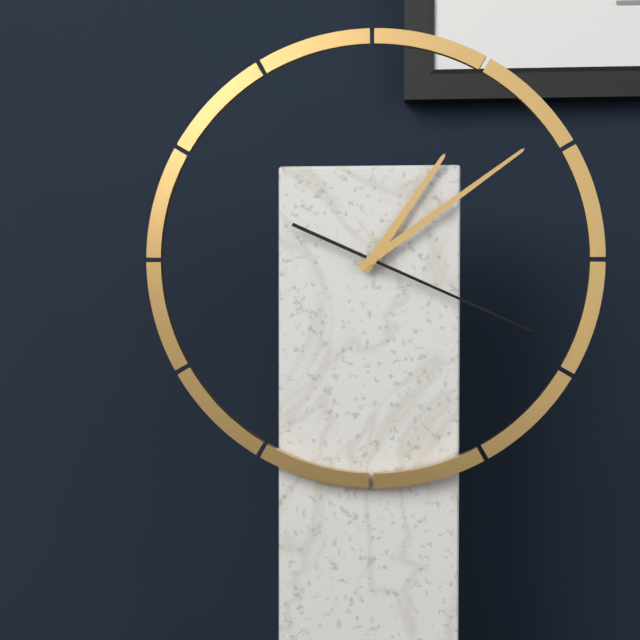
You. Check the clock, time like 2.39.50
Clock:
1.09.19
